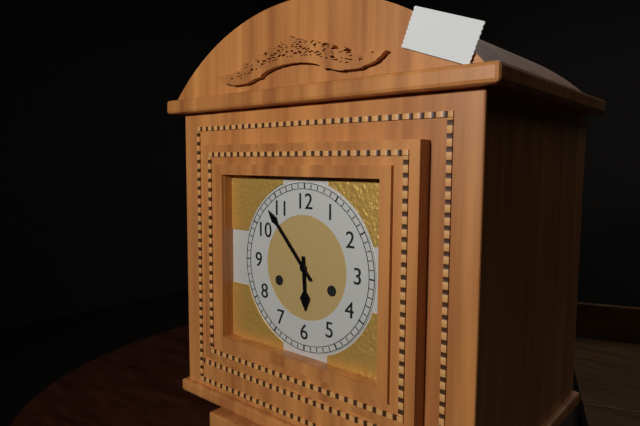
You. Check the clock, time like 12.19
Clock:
5.53
